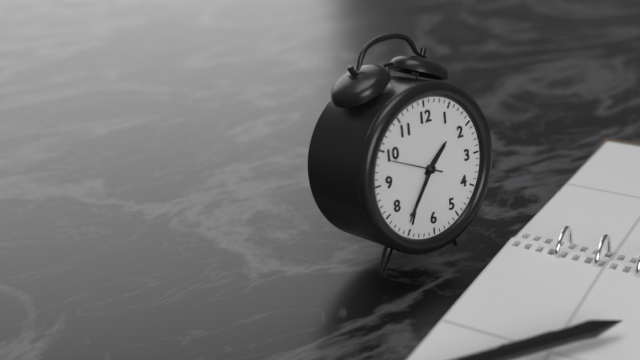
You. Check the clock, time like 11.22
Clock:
1.36
